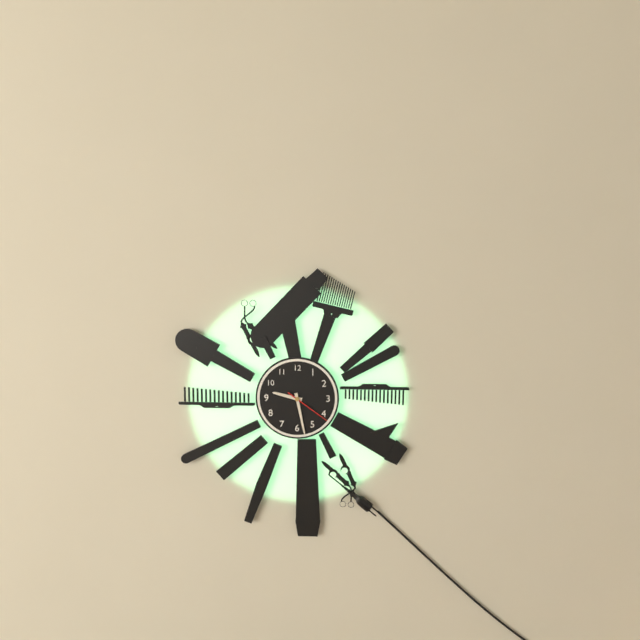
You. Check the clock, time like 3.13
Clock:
9.28
